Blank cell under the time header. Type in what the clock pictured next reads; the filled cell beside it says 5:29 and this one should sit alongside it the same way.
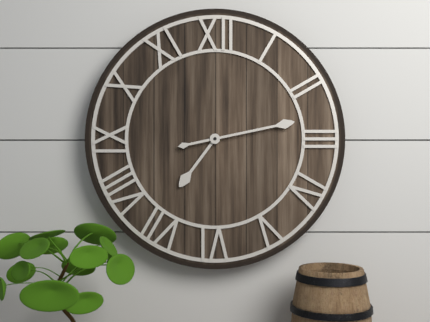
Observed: 7:13
